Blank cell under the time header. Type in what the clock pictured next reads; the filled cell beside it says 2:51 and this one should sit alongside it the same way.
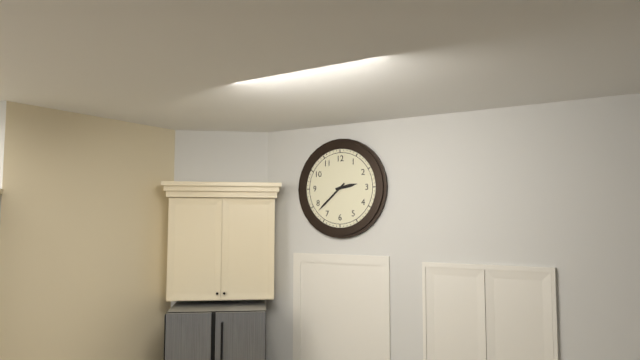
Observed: 2:38
